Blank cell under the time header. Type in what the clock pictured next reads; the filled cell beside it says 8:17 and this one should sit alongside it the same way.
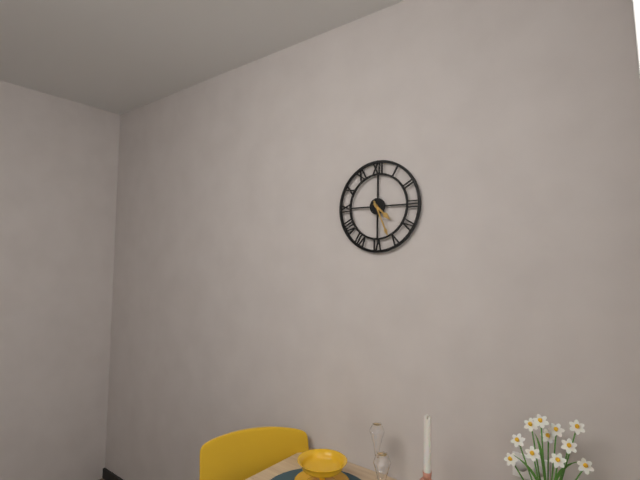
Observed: 4:26
